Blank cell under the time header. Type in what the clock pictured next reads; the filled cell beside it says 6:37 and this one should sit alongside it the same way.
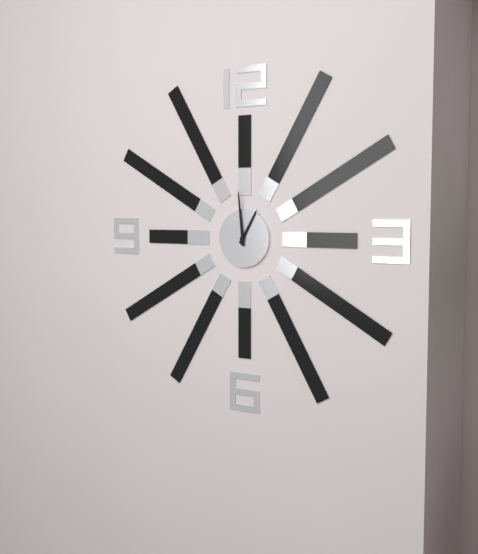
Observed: 12:59
